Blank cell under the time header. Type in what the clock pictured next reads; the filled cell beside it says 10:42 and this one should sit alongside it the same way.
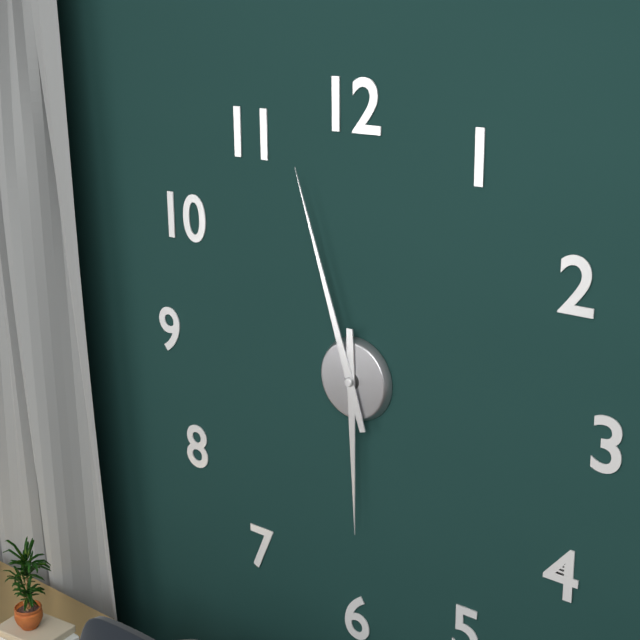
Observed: 5:57
